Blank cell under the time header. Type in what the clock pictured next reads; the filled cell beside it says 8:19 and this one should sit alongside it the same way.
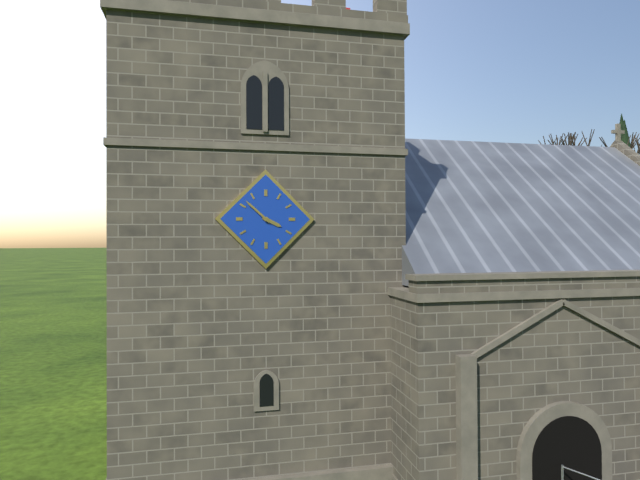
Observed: 3:52
